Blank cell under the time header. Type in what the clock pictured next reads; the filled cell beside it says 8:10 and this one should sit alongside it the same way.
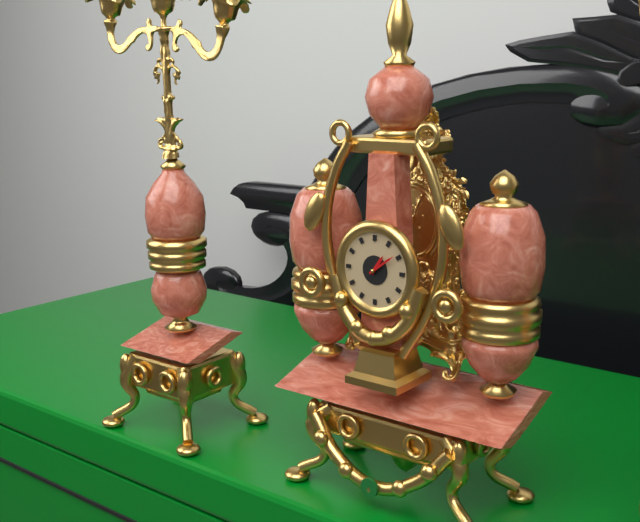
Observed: 1:09
